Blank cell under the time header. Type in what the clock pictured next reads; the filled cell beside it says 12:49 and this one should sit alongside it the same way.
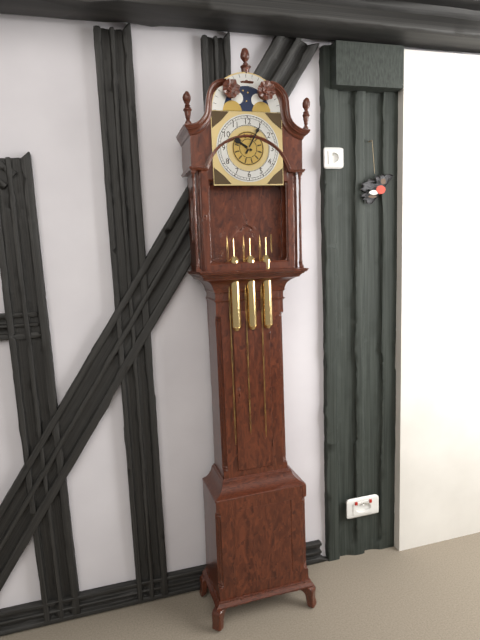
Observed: 10:05
